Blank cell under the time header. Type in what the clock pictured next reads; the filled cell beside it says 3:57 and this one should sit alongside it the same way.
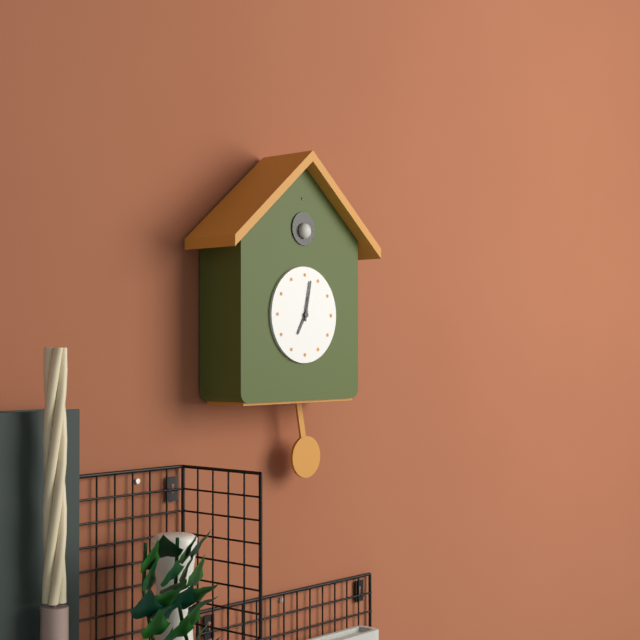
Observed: 7:02
